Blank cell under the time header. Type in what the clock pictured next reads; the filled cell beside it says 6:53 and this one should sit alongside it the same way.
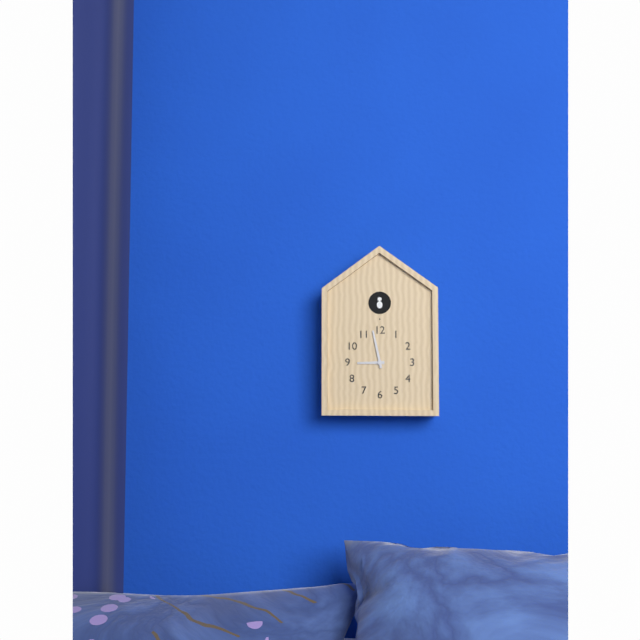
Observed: 8:58
